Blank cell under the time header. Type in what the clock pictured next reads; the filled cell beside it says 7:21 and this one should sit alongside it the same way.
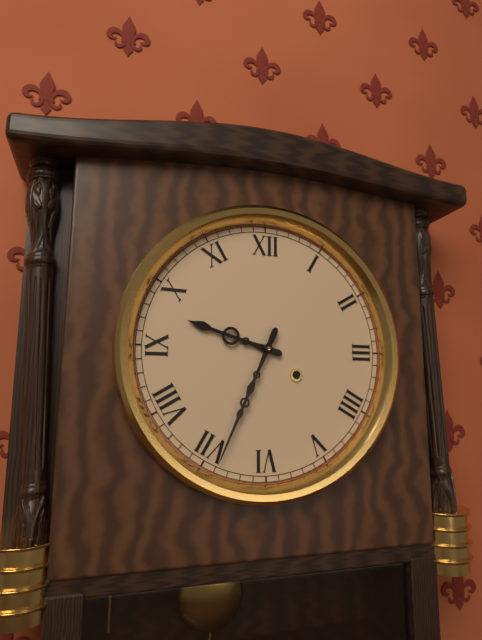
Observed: 9:34
